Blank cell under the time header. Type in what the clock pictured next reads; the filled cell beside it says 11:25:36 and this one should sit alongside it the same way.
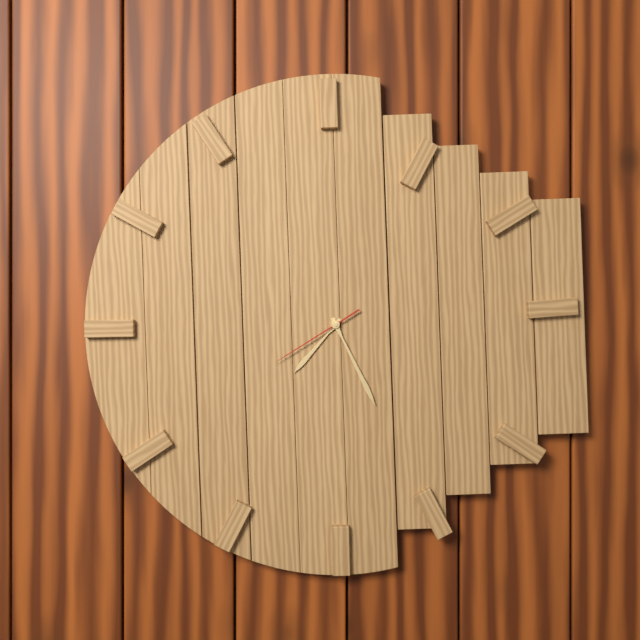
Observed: 7:26:40
